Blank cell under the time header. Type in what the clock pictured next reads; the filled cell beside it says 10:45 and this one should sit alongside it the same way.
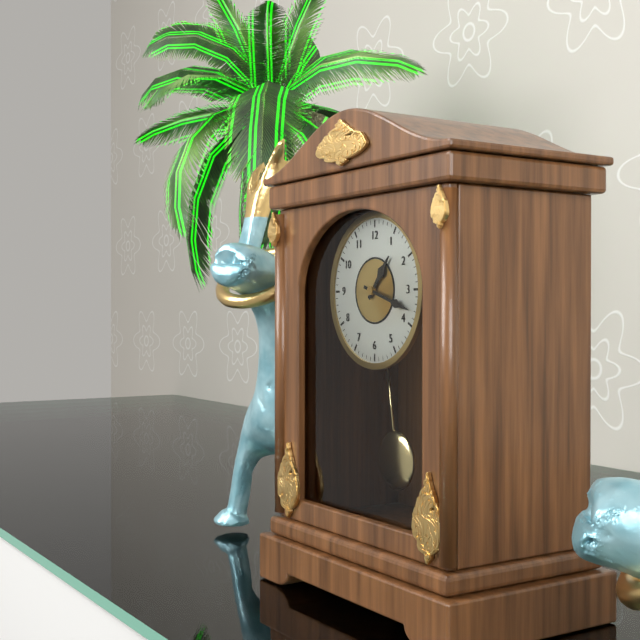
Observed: 1:18
